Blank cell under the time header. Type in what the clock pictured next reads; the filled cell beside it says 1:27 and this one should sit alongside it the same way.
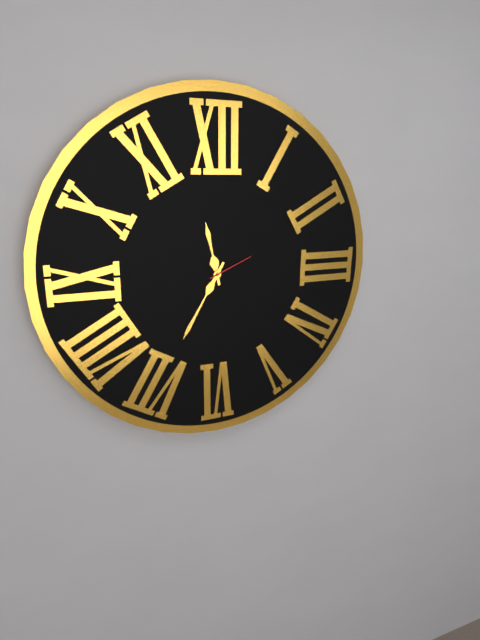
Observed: 11:35
